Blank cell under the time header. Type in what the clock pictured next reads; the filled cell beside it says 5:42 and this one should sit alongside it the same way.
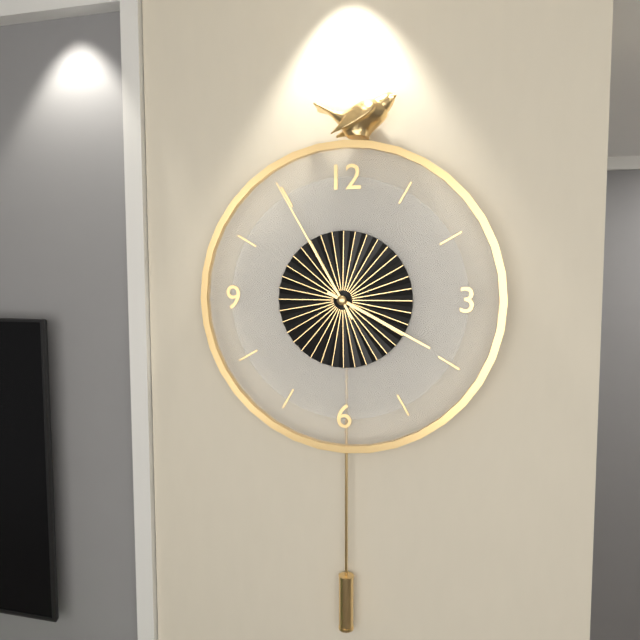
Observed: 3:55
